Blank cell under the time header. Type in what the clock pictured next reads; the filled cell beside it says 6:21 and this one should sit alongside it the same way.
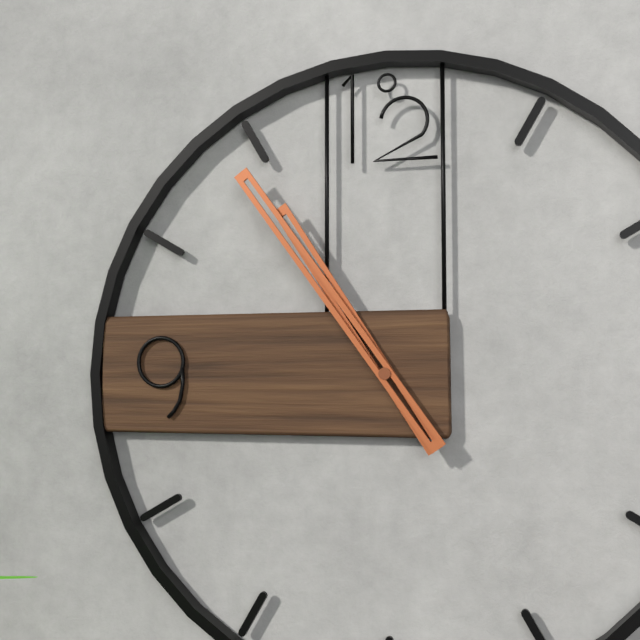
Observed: 10:54
